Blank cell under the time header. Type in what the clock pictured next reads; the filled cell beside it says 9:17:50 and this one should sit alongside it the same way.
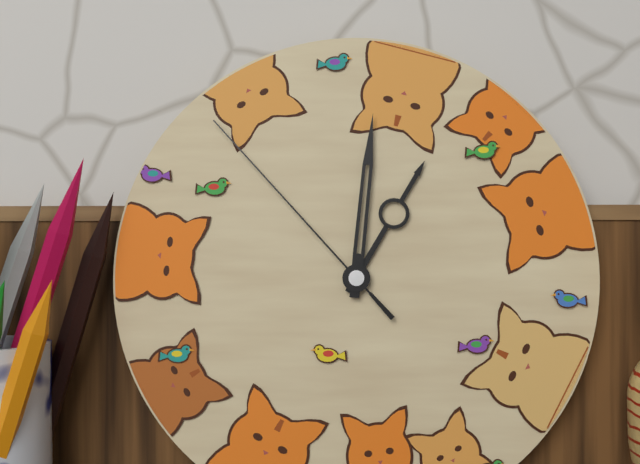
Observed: 1:01:53
